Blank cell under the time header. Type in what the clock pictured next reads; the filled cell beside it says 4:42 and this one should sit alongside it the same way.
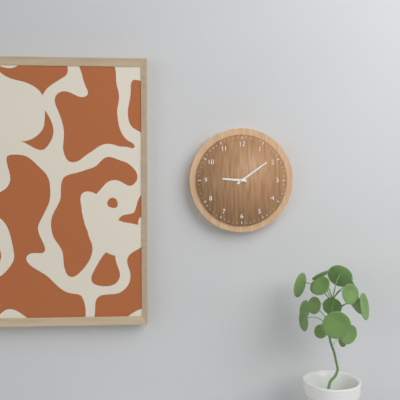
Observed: 9:09
